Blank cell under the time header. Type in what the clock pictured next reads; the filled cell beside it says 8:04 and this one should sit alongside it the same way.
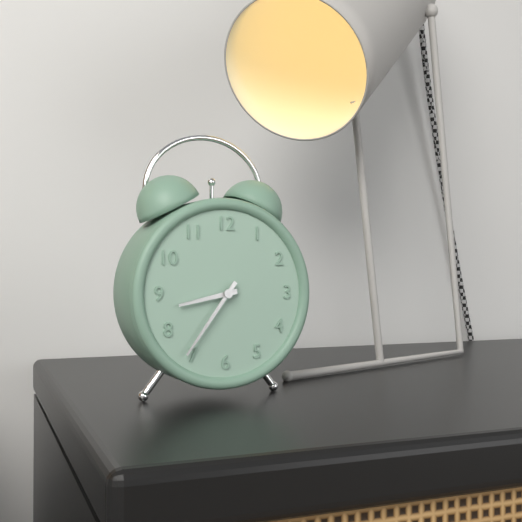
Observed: 8:36
